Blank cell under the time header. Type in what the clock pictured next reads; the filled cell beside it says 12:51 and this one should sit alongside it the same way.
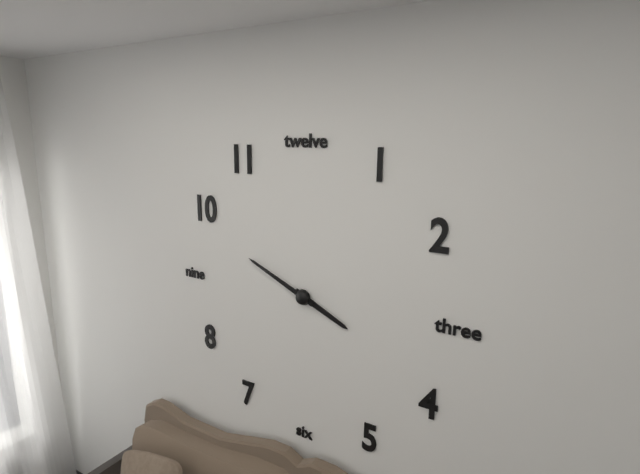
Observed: 3:49
